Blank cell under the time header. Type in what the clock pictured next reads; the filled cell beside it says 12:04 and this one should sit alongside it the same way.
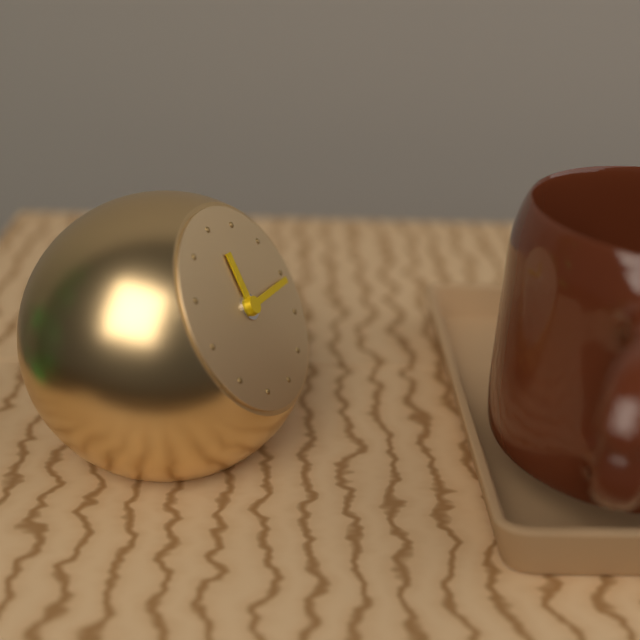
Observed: 12:16
